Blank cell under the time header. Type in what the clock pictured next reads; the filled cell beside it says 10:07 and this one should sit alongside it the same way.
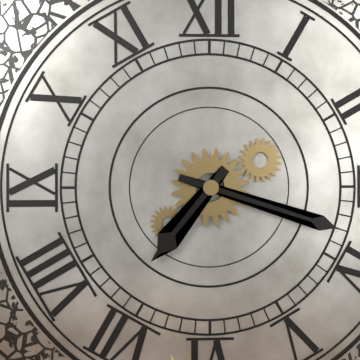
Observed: 7:18
